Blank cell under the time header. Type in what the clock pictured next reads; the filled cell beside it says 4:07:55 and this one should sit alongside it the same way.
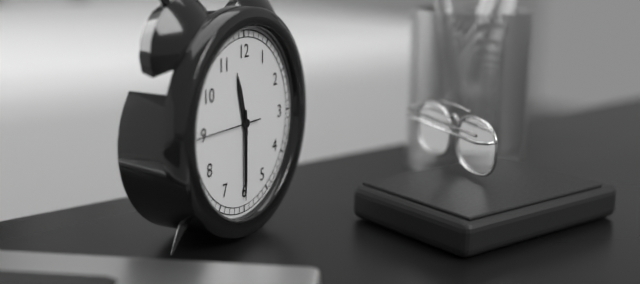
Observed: 11:30:45
